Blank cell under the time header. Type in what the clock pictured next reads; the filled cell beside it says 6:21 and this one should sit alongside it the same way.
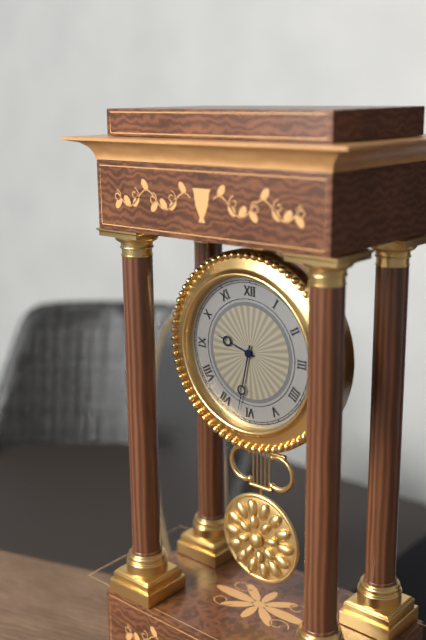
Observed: 9:32
